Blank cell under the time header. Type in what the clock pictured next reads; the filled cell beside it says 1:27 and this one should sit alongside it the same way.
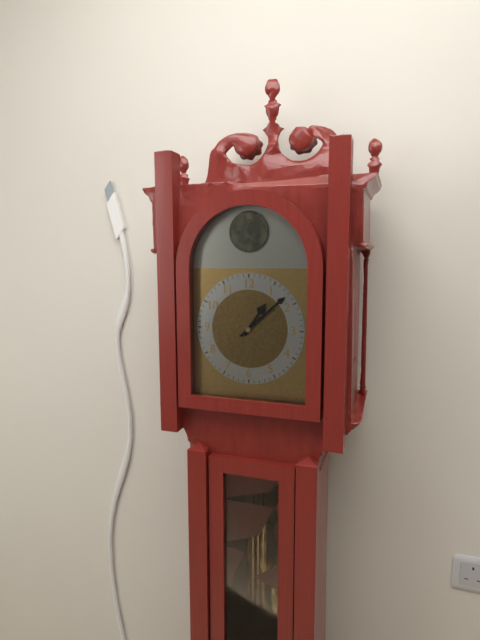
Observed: 1:08
